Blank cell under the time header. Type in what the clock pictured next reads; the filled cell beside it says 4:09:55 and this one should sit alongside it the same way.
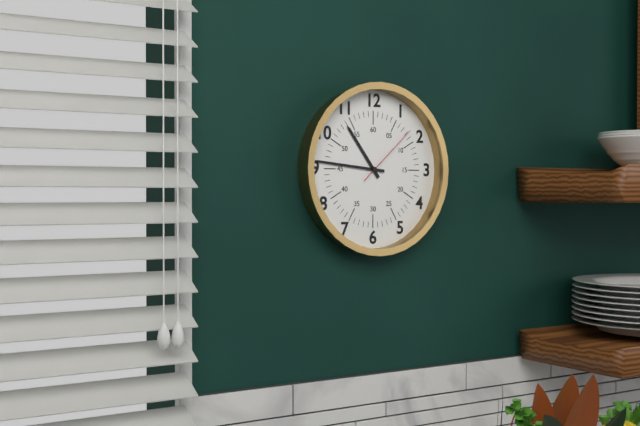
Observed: 10:46:08
